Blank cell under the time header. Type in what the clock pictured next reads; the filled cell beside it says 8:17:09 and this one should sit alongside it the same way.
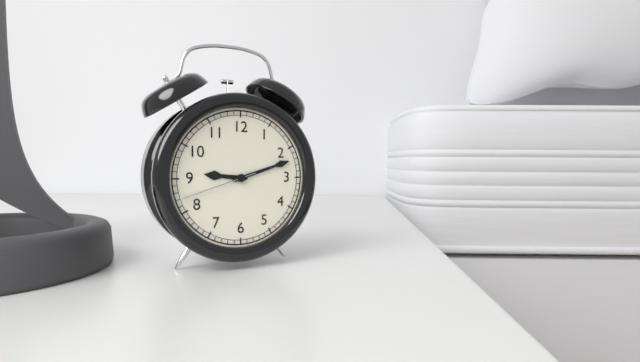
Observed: 9:12:42
